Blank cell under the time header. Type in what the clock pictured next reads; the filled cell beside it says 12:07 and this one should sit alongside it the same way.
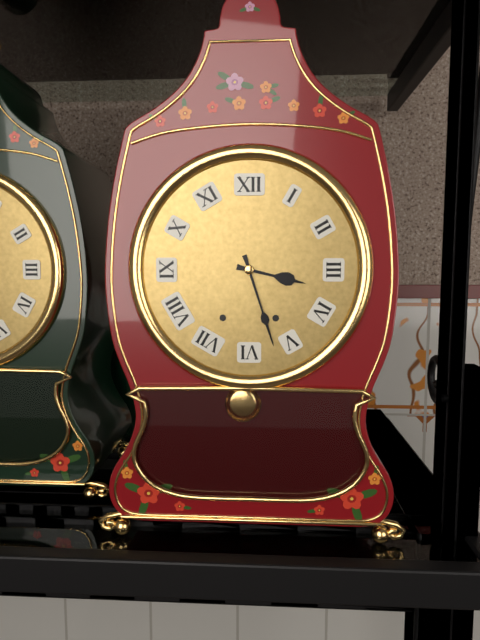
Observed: 3:27
